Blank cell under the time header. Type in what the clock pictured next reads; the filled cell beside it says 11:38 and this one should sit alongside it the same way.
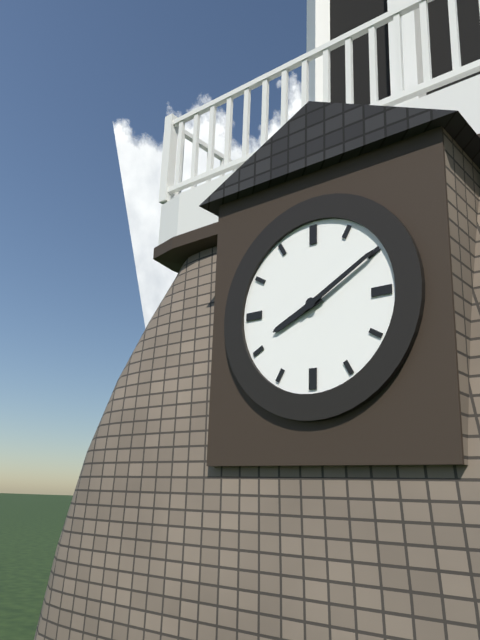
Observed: 8:10
